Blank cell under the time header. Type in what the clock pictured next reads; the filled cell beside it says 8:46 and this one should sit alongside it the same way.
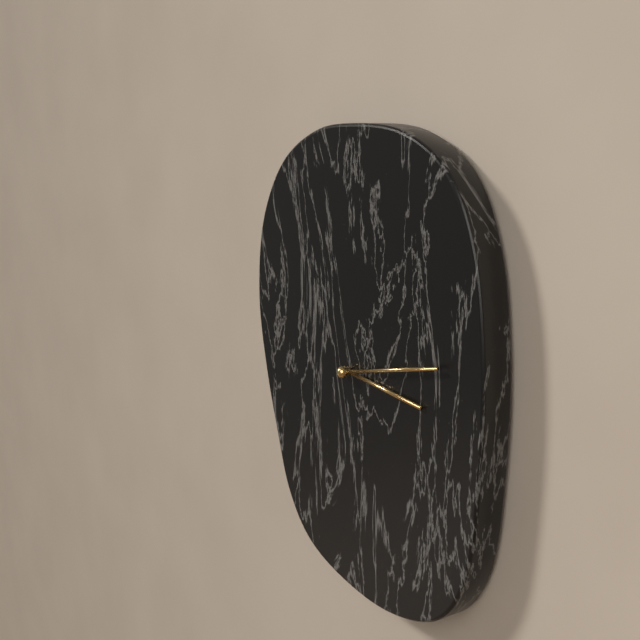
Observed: 3:13
